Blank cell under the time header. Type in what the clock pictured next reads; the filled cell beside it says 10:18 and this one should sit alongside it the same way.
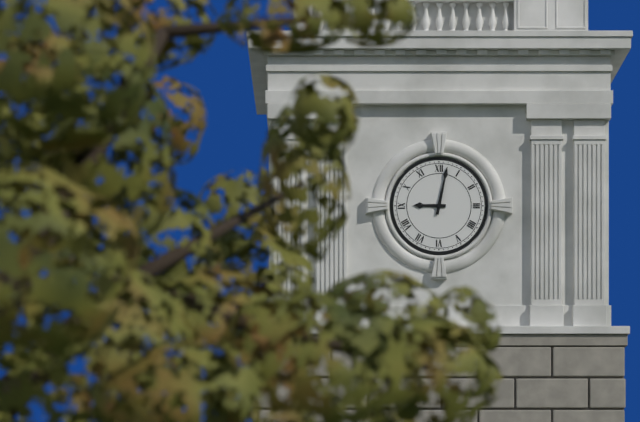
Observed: 9:02
